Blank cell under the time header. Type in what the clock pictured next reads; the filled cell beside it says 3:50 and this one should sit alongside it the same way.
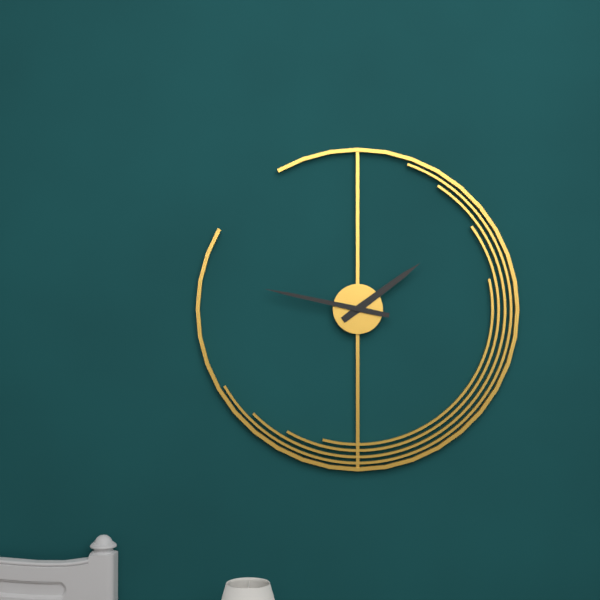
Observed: 1:47
